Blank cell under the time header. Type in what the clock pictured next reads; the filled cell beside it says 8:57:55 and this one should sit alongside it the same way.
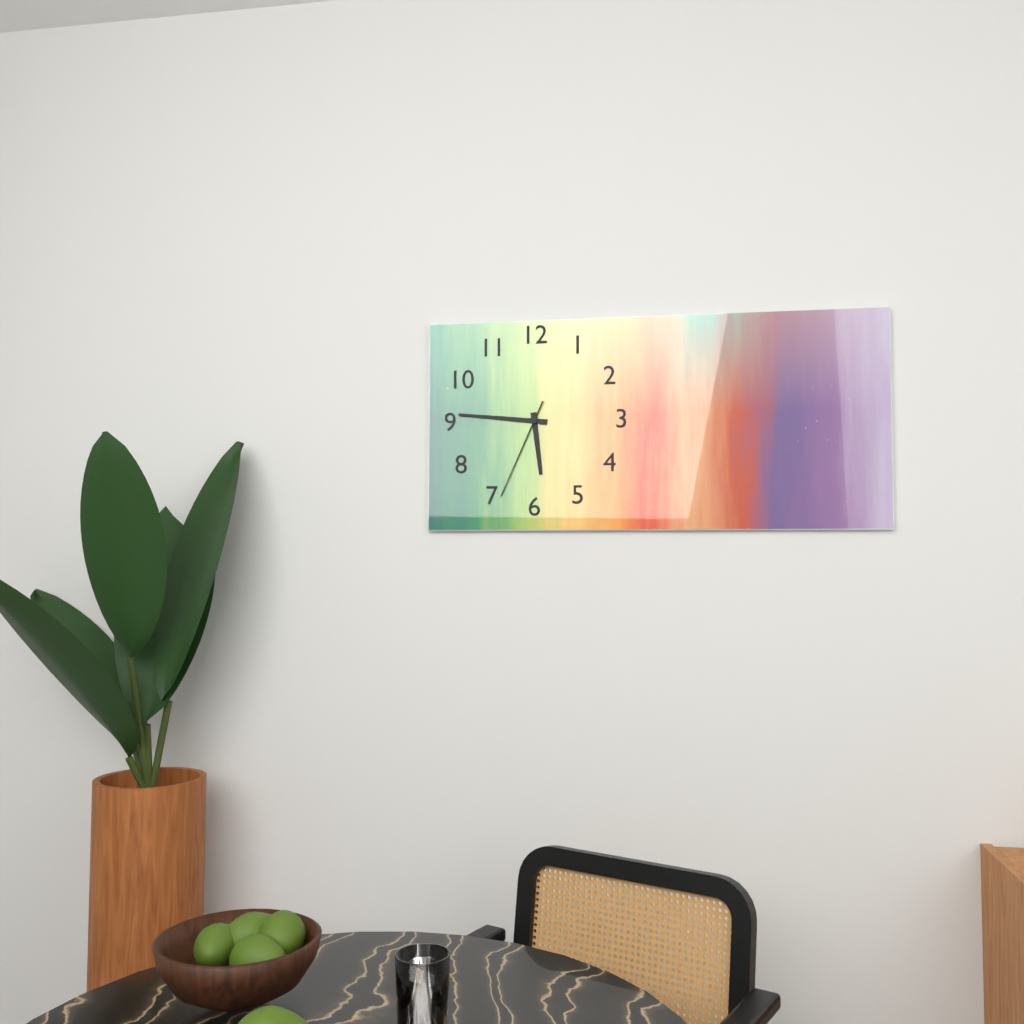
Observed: 5:46:34
